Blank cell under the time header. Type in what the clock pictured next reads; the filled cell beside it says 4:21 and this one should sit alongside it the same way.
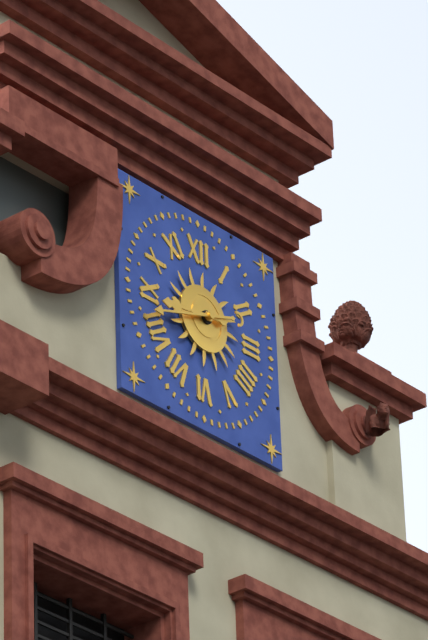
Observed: 8:42
